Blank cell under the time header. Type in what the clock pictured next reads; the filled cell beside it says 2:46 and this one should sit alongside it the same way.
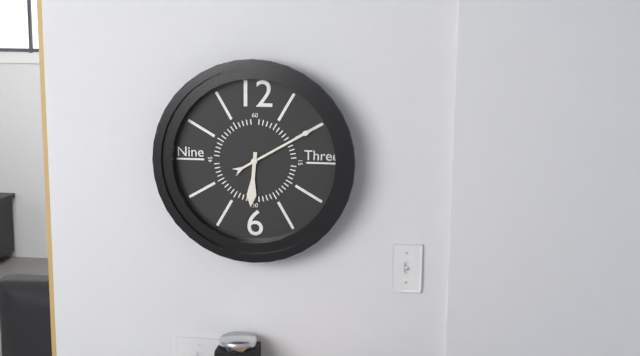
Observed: 6:10
